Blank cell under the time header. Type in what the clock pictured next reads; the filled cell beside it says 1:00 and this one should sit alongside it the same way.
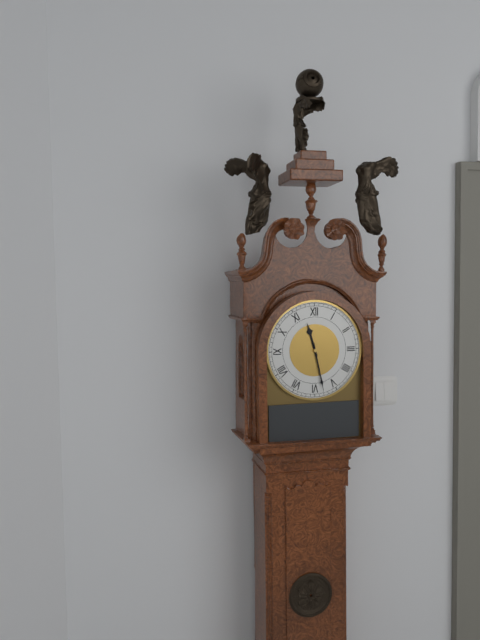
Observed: 11:28
